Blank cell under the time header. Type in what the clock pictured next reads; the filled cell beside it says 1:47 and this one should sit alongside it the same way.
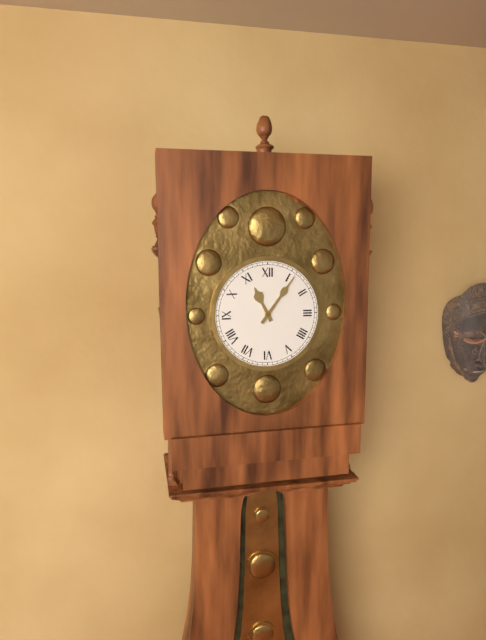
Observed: 11:06
